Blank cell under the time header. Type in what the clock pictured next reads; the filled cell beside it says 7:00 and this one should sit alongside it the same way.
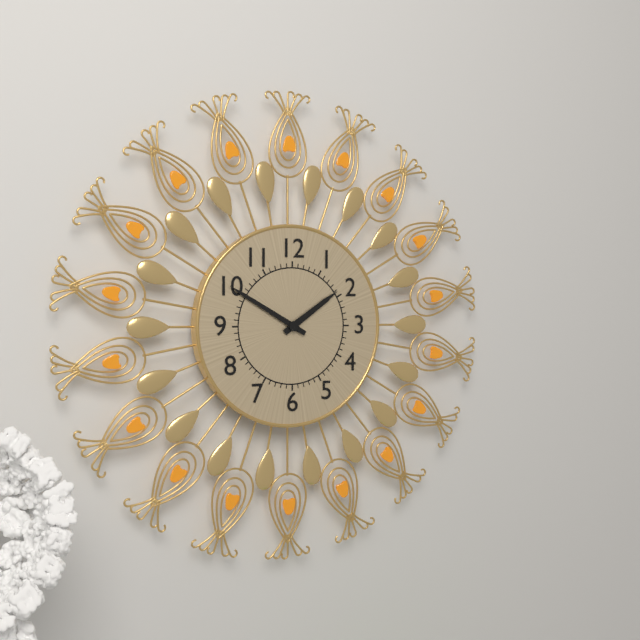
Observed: 1:50
